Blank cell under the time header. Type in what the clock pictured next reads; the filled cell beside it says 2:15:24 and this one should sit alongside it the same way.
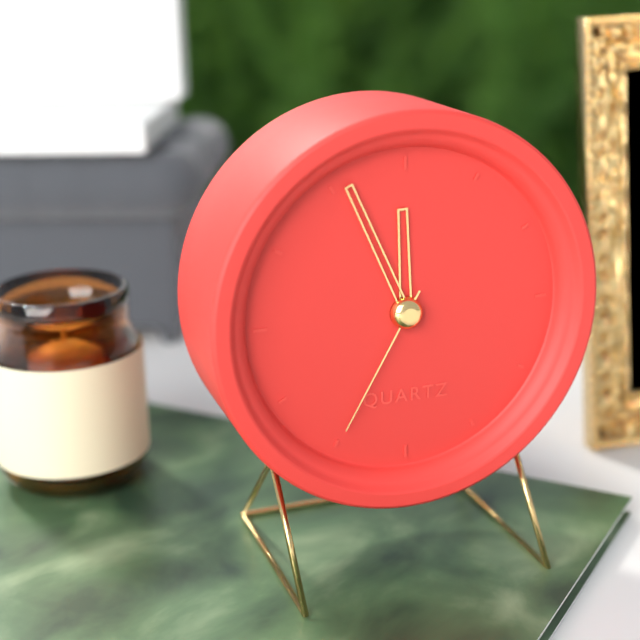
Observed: 11:56:35
